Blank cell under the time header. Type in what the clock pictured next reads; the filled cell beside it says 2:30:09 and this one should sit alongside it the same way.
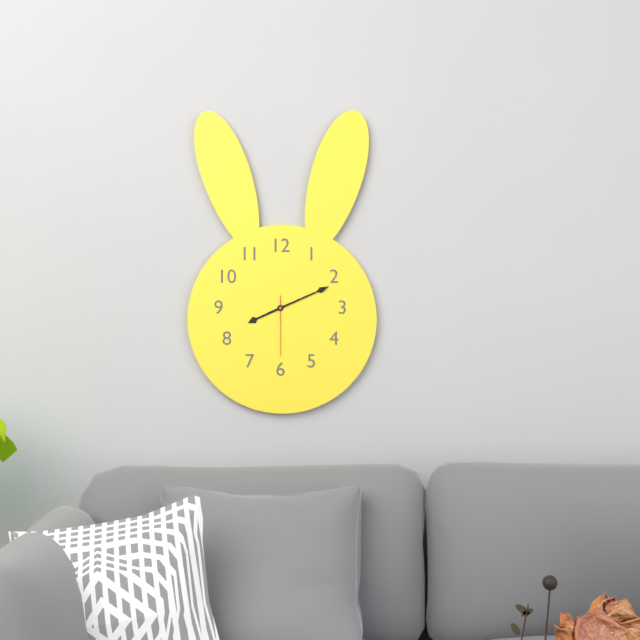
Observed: 8:11:30
